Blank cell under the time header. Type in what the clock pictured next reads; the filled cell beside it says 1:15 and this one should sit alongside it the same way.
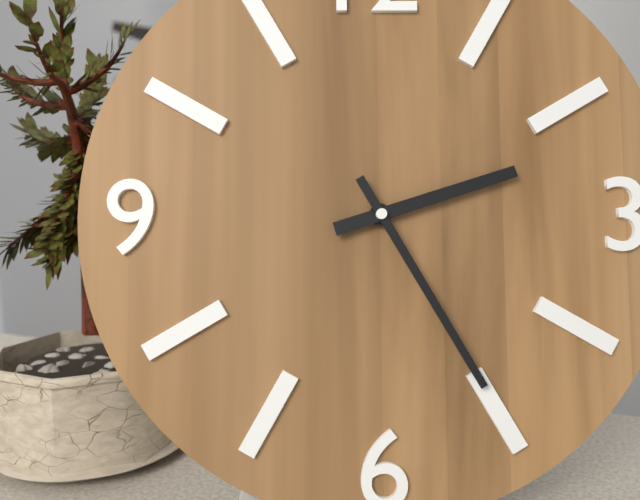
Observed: 2:25
